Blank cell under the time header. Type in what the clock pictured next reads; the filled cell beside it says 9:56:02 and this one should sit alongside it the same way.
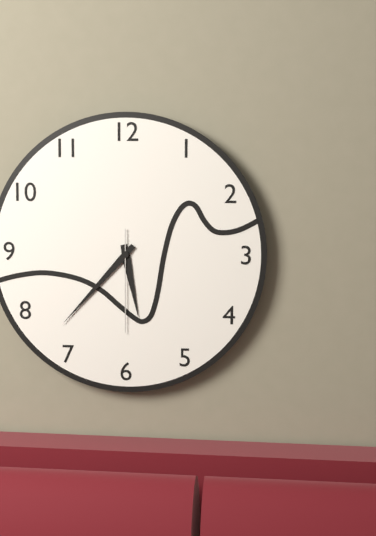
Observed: 5:37:30
